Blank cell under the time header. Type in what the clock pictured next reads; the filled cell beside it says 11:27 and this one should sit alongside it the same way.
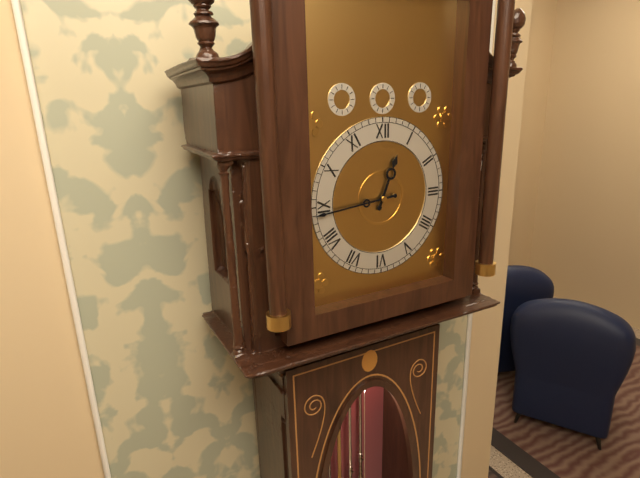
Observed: 12:44
